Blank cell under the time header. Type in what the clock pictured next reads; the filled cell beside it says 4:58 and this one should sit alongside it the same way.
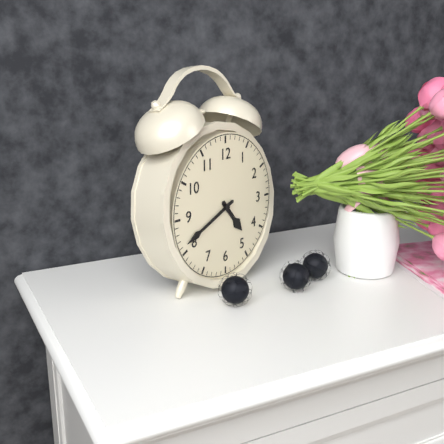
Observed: 4:41
